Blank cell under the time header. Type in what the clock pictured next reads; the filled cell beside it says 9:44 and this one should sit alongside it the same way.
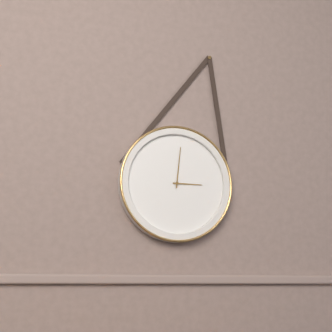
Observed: 3:01
